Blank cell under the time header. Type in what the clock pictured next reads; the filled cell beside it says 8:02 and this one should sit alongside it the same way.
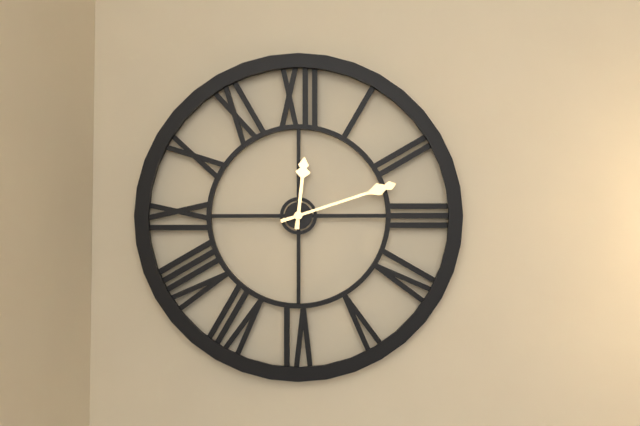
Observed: 12:12
